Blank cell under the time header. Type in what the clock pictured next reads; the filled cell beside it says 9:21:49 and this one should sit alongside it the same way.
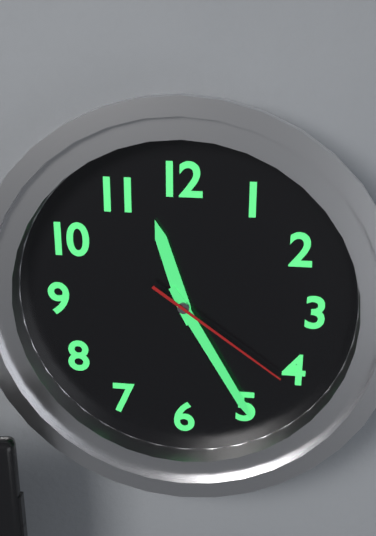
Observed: 11:25:21
